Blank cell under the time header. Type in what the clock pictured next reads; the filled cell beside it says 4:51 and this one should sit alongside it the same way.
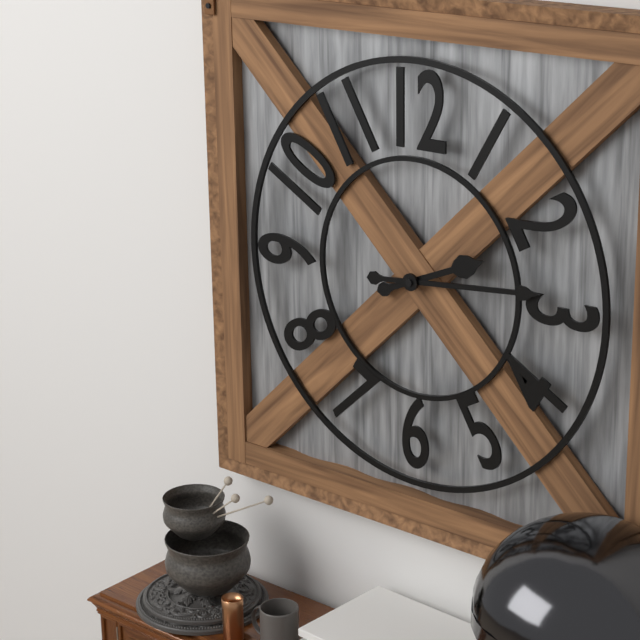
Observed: 2:14
